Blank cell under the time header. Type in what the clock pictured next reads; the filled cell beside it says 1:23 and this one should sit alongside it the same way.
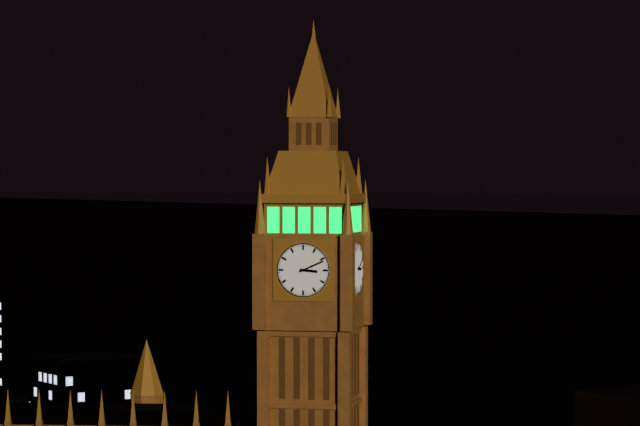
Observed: 3:11
